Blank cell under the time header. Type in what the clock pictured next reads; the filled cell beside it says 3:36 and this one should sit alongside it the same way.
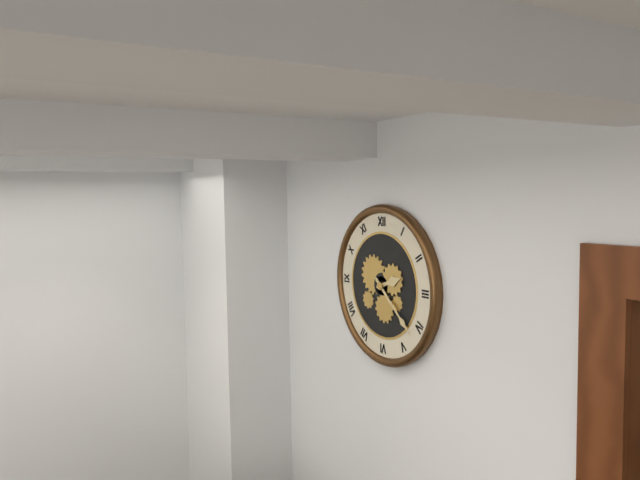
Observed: 2:22
